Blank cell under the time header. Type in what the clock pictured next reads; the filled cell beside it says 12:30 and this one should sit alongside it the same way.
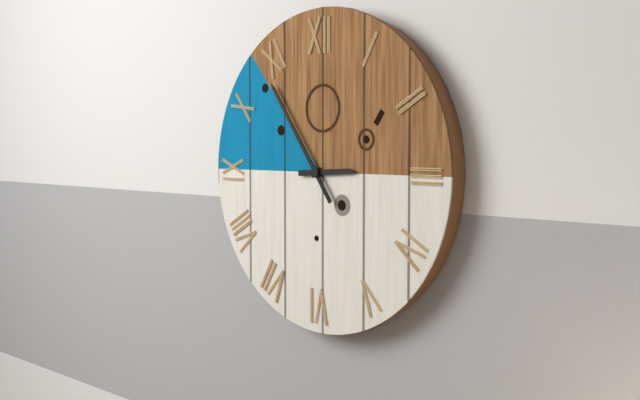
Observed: 2:54
